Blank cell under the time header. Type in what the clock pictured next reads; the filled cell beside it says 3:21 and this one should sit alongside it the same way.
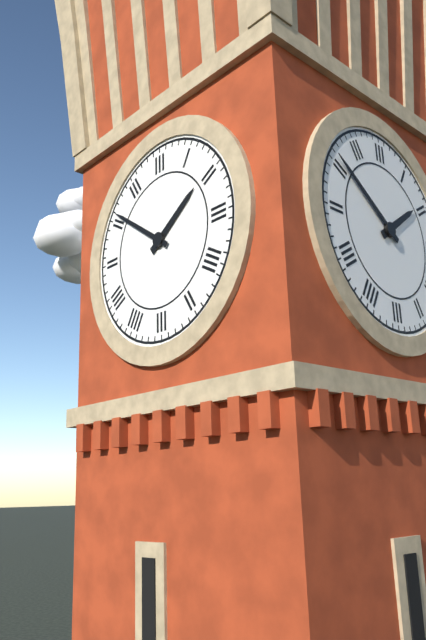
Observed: 1:51
